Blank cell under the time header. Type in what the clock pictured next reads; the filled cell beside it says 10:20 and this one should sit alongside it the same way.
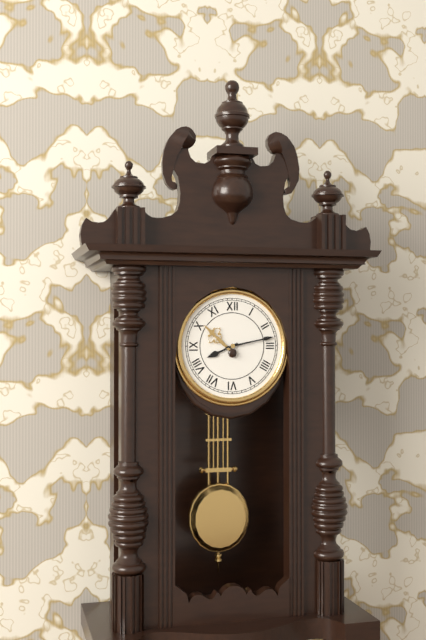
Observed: 8:13
